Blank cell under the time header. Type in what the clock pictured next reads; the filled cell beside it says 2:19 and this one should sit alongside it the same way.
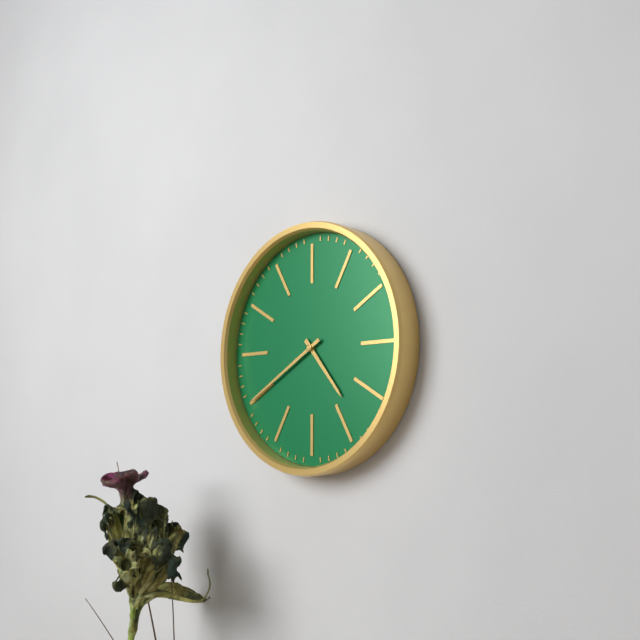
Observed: 4:40
